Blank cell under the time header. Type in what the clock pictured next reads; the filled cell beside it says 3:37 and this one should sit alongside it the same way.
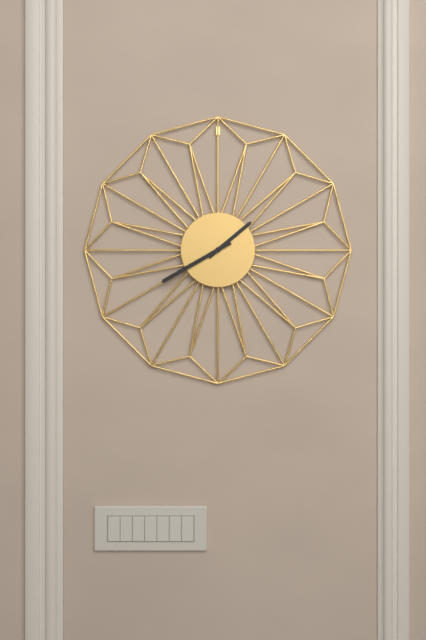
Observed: 1:40
